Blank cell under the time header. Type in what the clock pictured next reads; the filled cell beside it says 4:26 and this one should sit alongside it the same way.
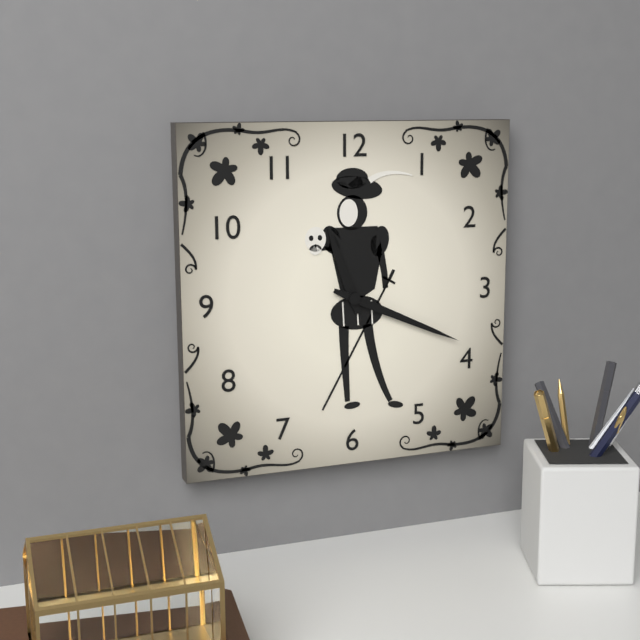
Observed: 11:19
